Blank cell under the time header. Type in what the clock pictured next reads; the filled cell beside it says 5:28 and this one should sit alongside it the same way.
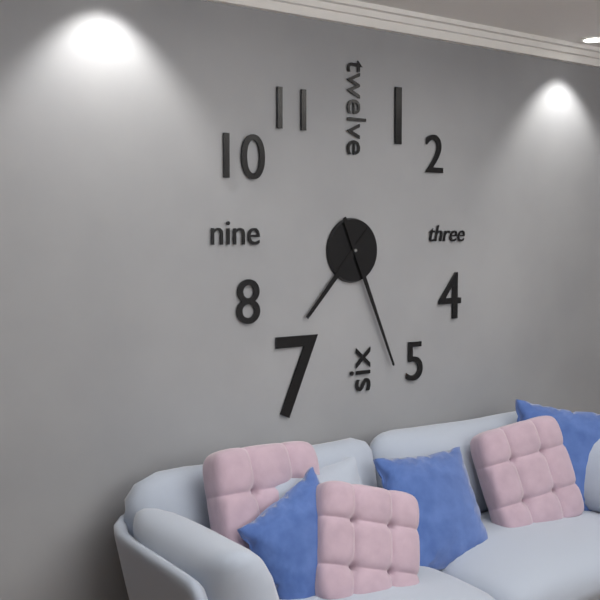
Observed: 7:26
